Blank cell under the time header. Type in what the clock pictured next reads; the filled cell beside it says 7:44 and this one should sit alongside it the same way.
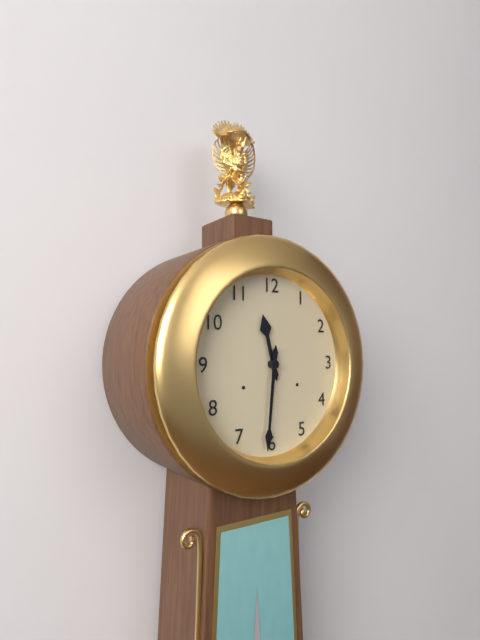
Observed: 11:31
